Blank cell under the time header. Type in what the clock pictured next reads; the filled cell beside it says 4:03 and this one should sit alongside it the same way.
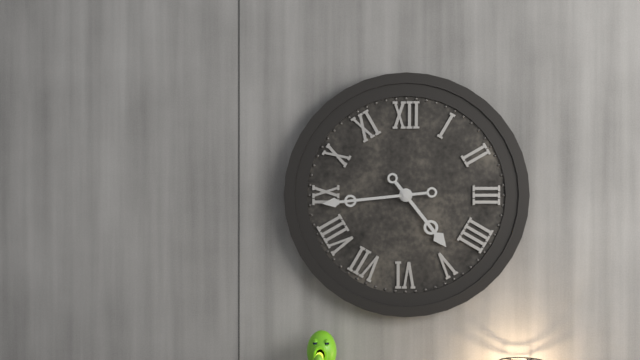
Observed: 4:44
